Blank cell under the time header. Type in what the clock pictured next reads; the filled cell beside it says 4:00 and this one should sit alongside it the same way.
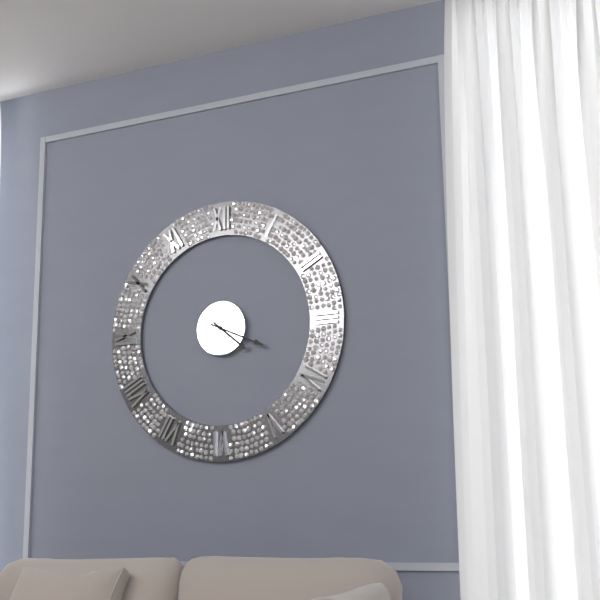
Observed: 4:19
